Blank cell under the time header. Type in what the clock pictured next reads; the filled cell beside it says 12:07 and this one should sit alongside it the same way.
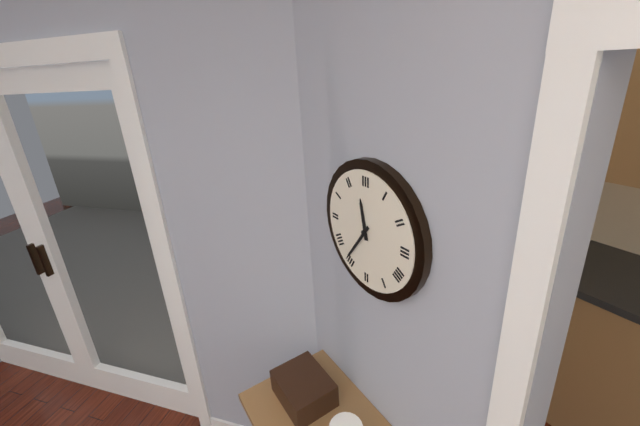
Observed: 11:36
